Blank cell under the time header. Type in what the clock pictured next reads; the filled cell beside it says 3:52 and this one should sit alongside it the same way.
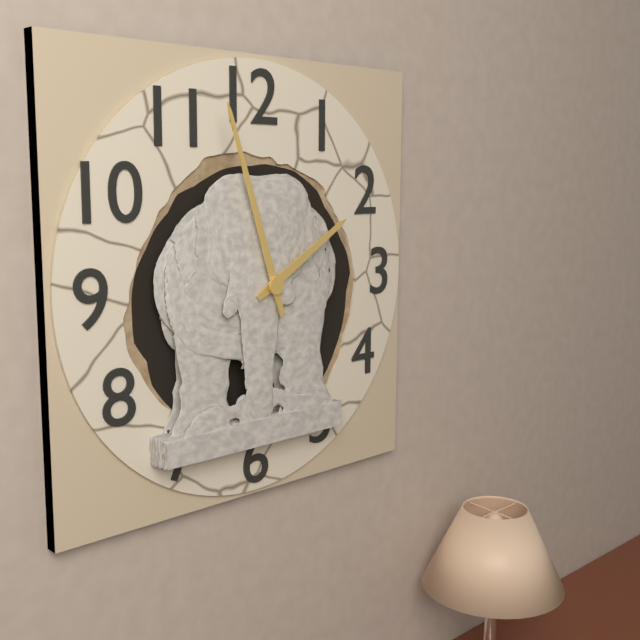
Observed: 1:57
